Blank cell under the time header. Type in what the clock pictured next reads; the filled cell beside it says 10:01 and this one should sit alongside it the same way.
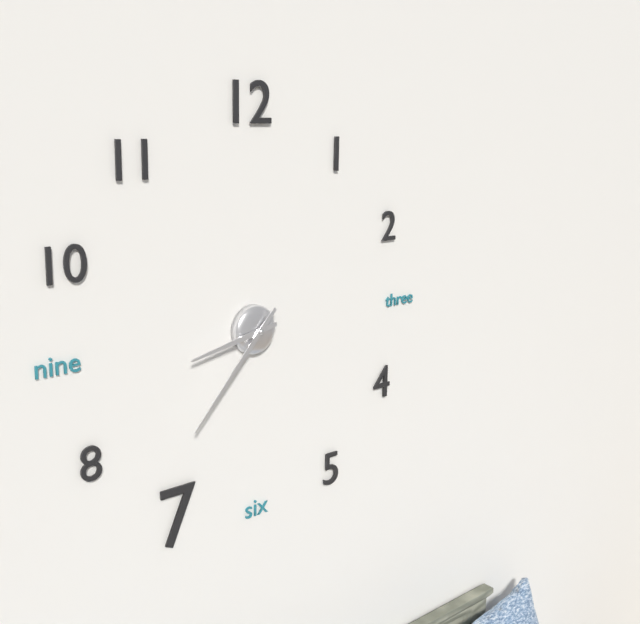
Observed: 8:37
